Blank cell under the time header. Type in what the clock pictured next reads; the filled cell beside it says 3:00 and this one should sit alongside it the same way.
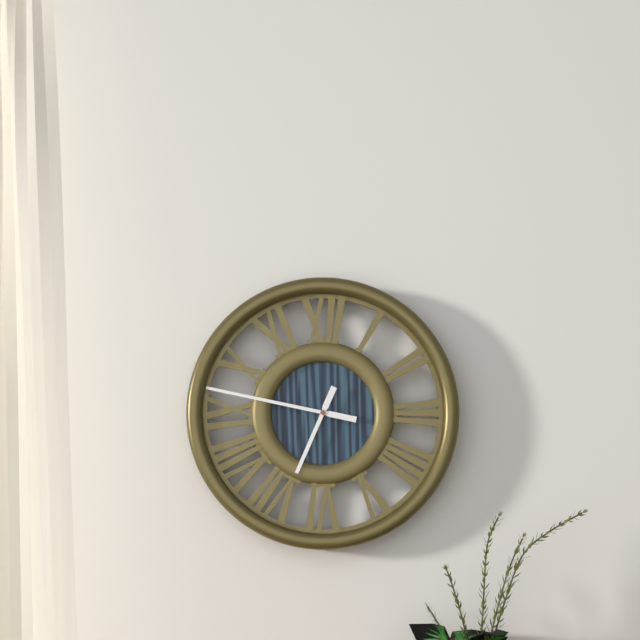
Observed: 6:47
